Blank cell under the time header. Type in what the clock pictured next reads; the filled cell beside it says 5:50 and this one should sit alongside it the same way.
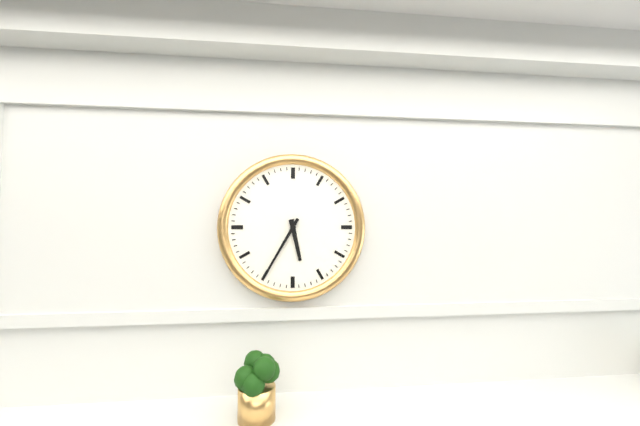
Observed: 5:35
